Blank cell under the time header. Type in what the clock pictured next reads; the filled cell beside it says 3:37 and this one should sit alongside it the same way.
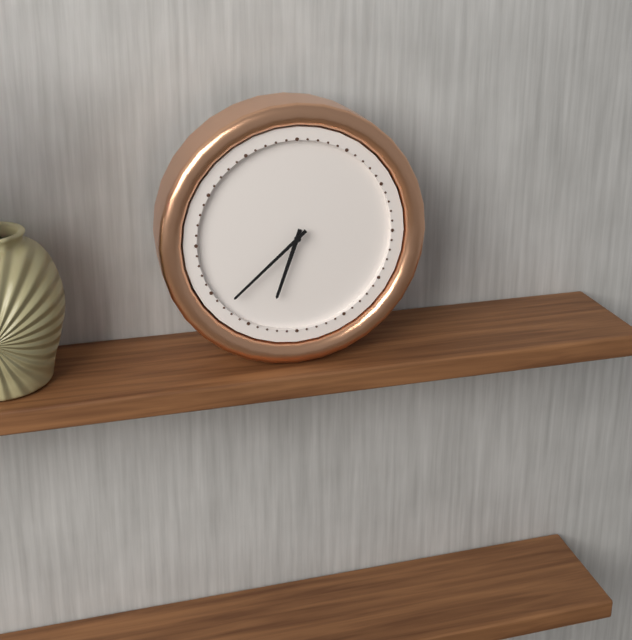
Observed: 6:38
